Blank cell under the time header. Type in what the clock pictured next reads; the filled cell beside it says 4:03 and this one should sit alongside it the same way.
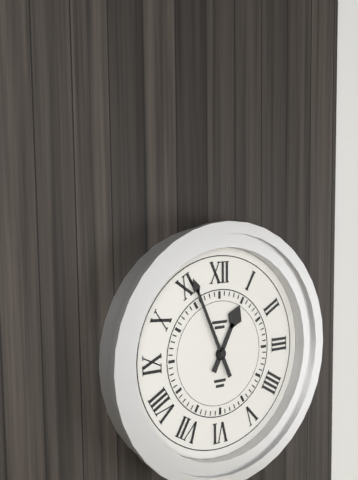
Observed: 12:56
